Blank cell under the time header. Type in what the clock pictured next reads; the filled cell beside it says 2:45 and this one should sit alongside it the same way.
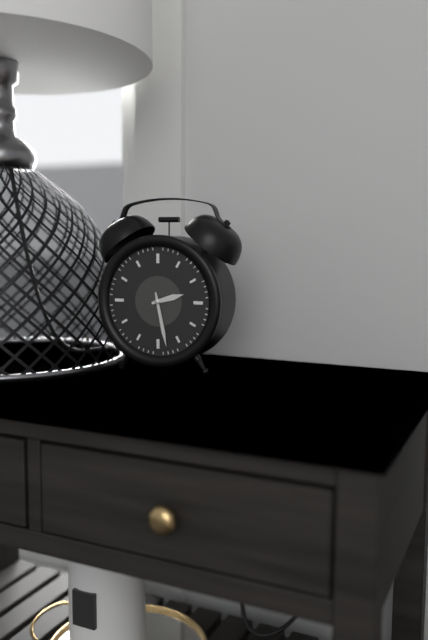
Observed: 2:28
